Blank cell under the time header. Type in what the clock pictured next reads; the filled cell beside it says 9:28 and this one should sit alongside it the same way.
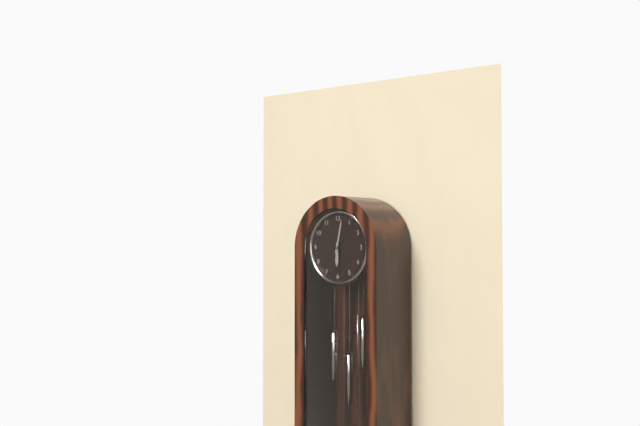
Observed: 6:02
